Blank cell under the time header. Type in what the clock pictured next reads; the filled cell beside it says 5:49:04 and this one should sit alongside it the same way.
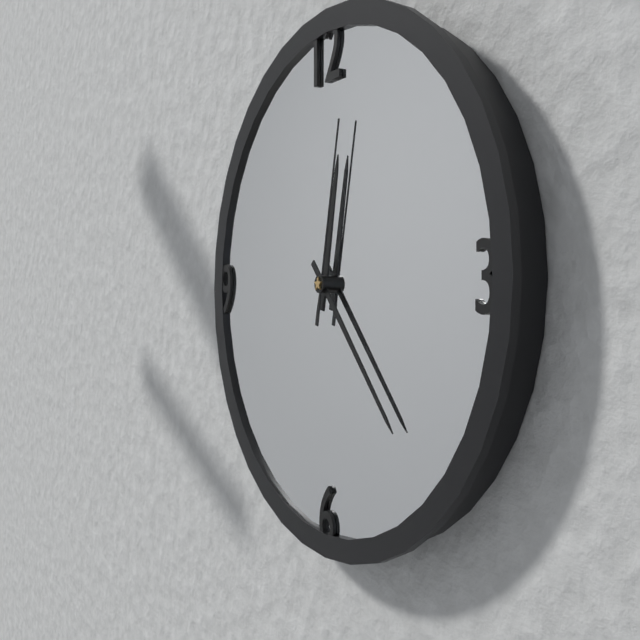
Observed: 12:23:02
